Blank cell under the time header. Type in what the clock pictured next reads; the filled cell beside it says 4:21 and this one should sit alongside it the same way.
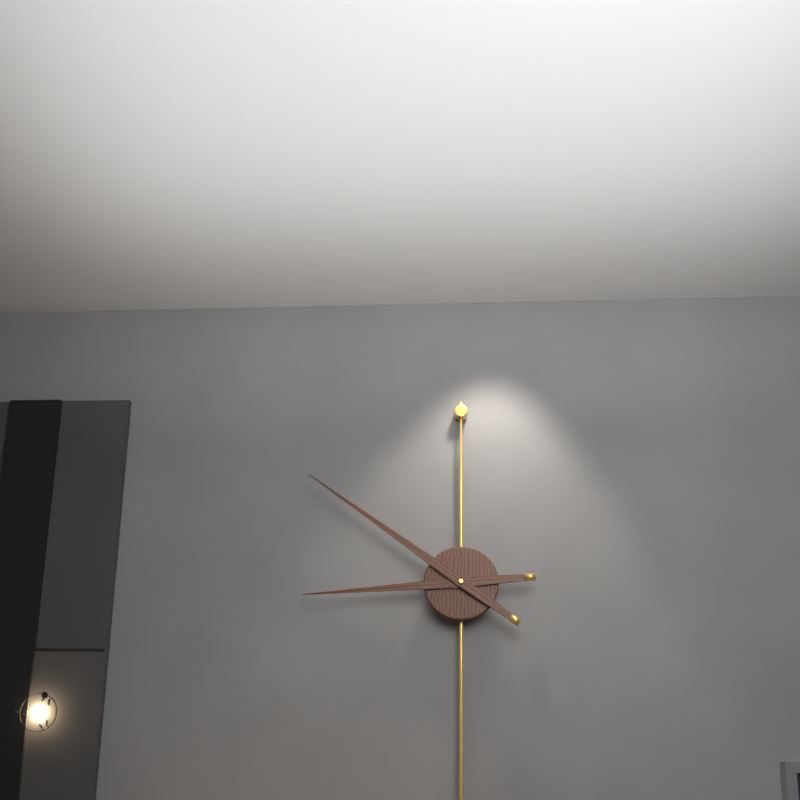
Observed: 8:51
